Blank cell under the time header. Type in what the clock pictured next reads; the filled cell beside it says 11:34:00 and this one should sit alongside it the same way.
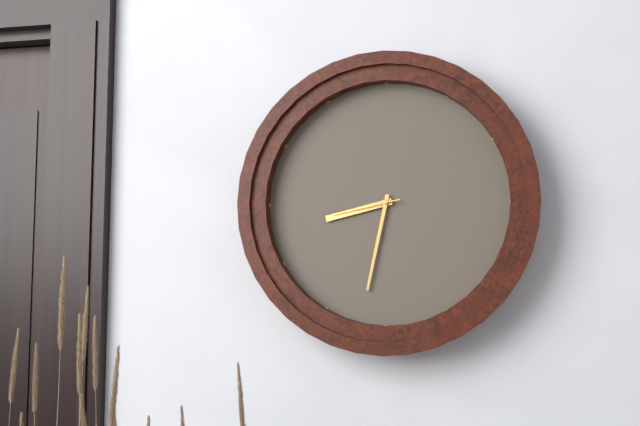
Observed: 8:32:43
